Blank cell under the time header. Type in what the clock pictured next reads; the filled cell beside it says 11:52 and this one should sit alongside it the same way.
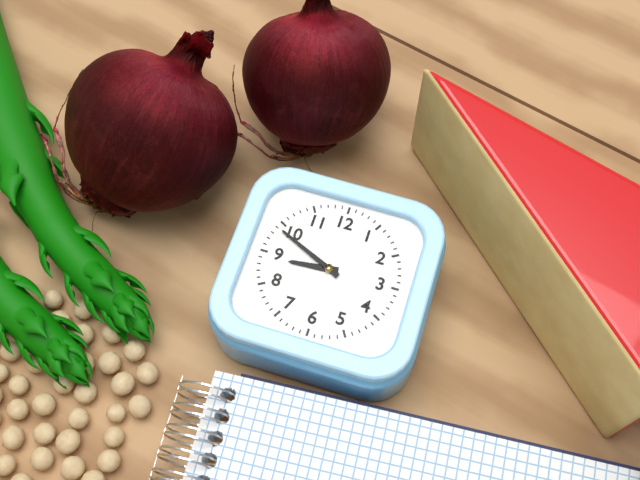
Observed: 8:49
